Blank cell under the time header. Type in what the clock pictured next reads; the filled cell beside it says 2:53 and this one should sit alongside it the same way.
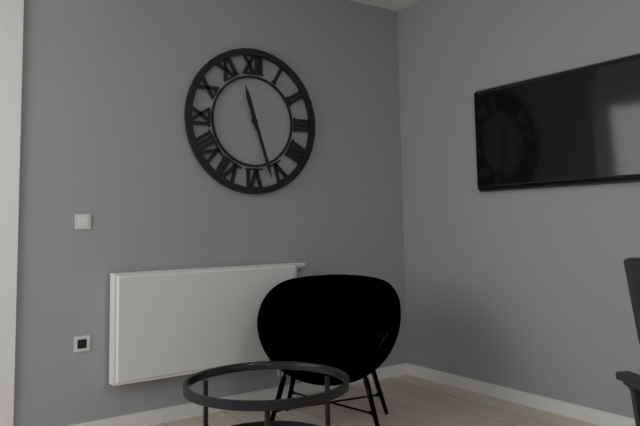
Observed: 11:27
